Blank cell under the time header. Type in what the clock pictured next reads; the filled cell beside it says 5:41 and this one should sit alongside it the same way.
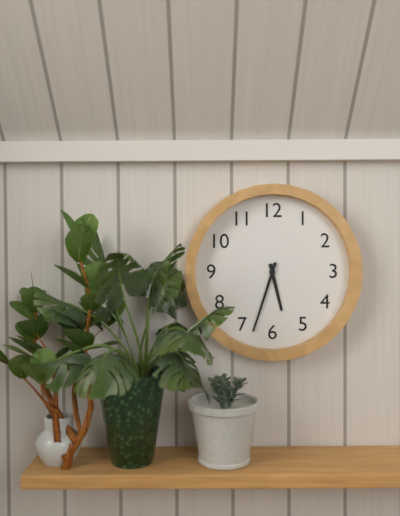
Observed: 5:33
